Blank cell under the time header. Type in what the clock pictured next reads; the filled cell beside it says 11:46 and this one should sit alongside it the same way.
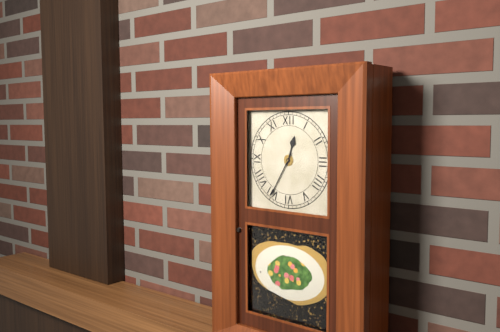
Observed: 12:35
